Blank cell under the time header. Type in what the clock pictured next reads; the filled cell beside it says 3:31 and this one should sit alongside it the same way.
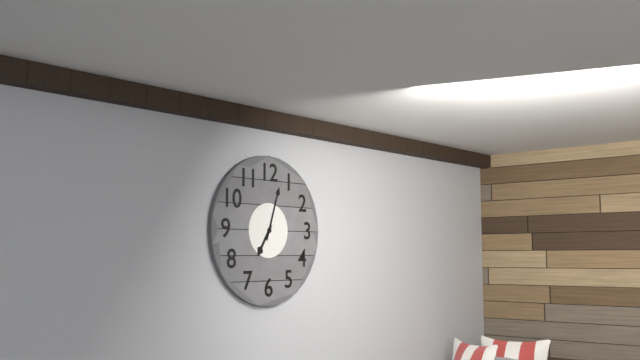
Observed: 7:03
